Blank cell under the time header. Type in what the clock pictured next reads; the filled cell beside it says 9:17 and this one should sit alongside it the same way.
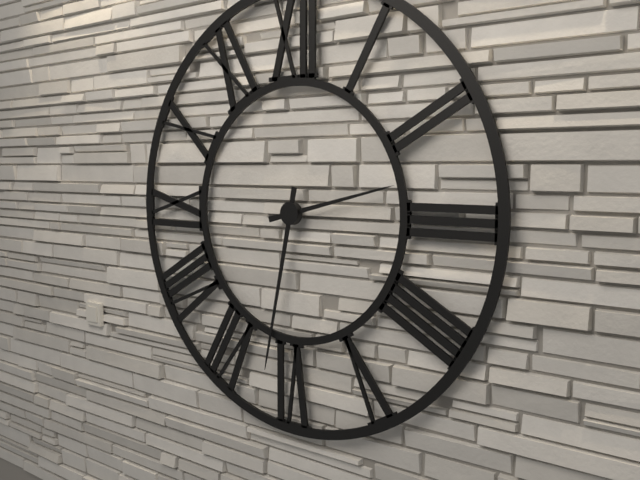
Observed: 2:32
